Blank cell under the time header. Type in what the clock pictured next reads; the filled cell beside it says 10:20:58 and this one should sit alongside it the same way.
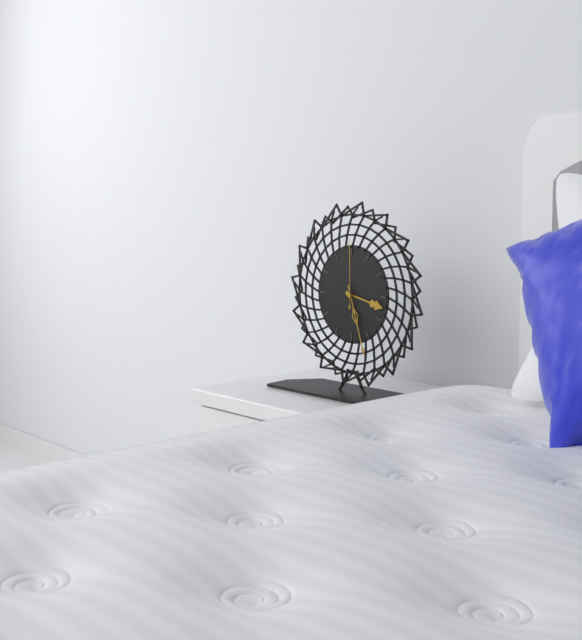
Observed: 3:27:00
